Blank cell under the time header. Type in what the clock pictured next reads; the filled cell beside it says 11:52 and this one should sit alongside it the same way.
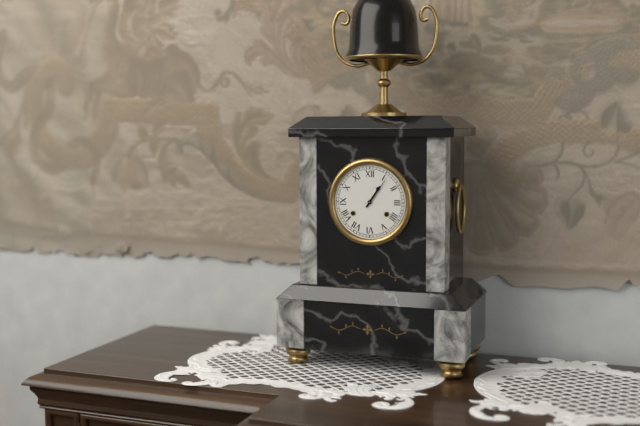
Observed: 1:06
